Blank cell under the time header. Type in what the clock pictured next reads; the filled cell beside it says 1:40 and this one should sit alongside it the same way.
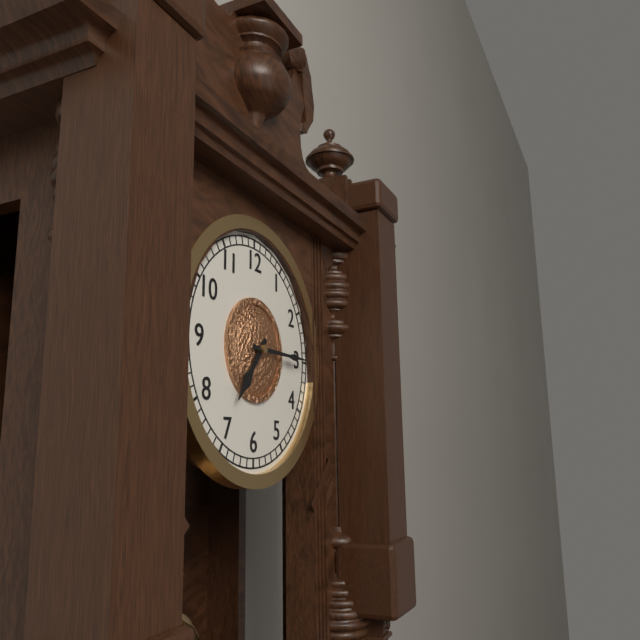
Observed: 7:15
